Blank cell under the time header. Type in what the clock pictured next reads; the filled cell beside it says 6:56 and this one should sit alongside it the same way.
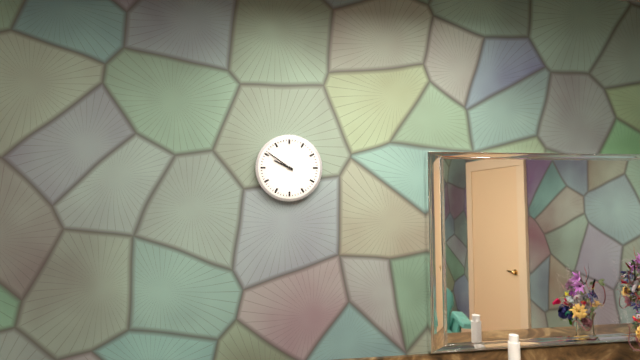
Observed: 9:51
